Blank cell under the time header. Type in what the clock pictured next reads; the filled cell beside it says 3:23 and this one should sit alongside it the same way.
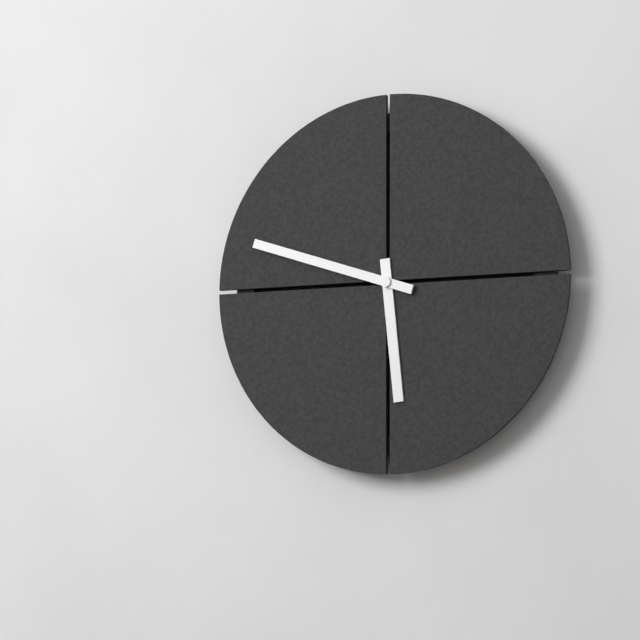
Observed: 5:48
